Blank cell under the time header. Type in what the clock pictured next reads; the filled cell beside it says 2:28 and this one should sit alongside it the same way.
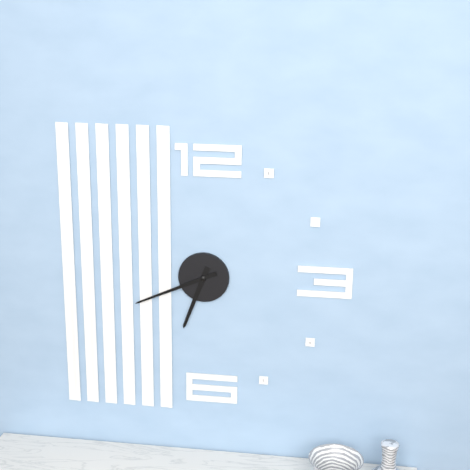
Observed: 6:41
